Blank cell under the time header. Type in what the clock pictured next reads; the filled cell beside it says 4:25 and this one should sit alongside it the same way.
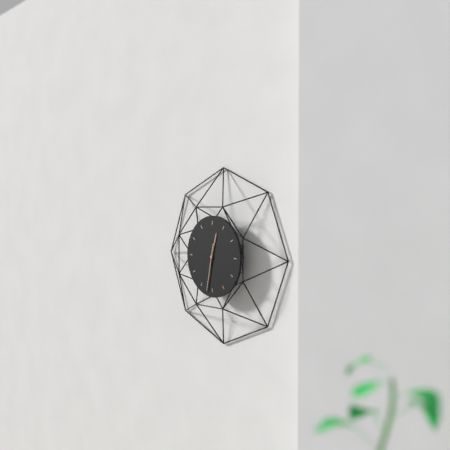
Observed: 12:32
